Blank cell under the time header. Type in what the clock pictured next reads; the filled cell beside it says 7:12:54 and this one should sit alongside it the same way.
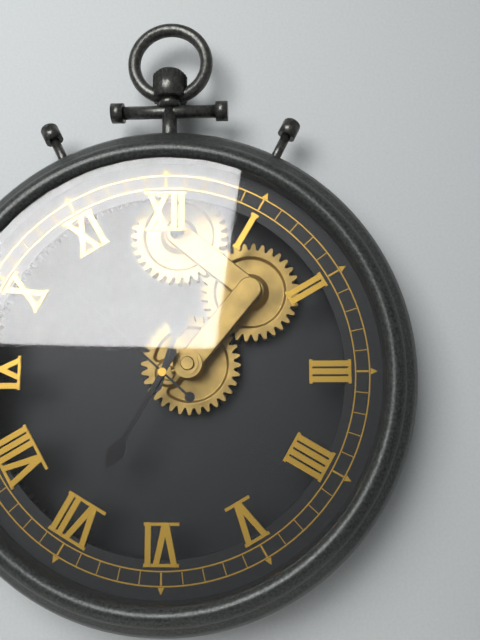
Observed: 12:35:52
